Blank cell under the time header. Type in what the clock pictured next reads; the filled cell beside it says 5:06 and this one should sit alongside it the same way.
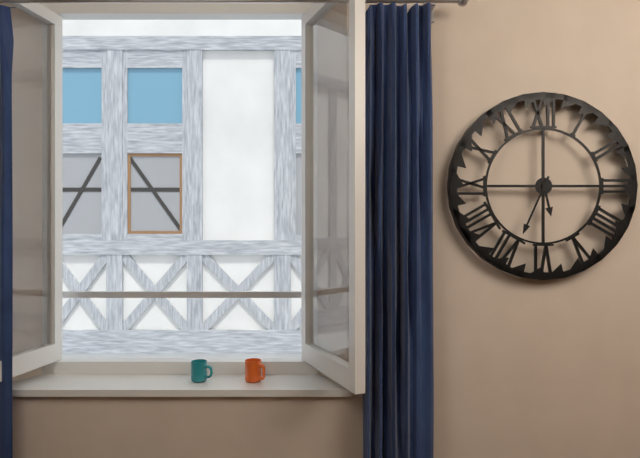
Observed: 5:34
